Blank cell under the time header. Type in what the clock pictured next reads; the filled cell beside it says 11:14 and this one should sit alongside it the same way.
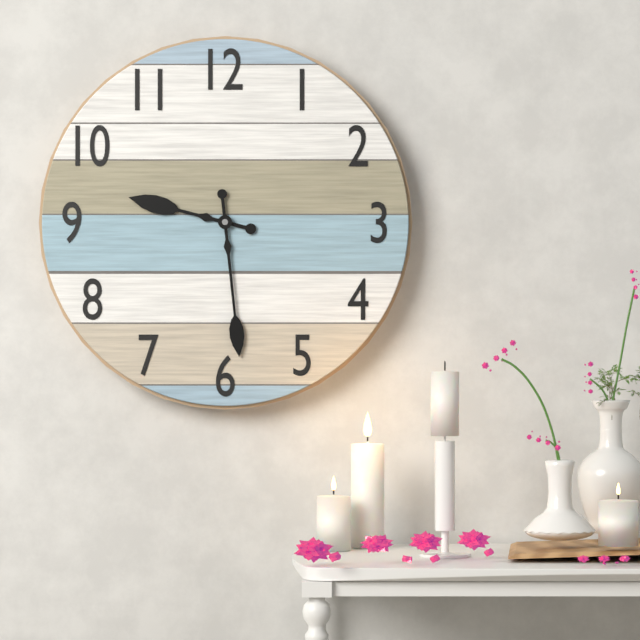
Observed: 9:29
